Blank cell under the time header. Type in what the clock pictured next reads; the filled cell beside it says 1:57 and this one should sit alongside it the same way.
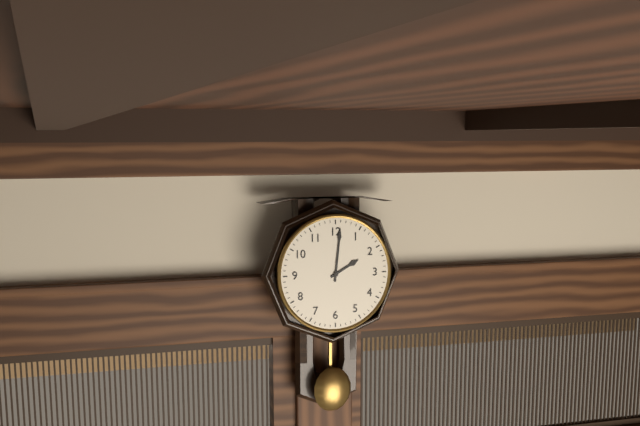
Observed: 2:01
